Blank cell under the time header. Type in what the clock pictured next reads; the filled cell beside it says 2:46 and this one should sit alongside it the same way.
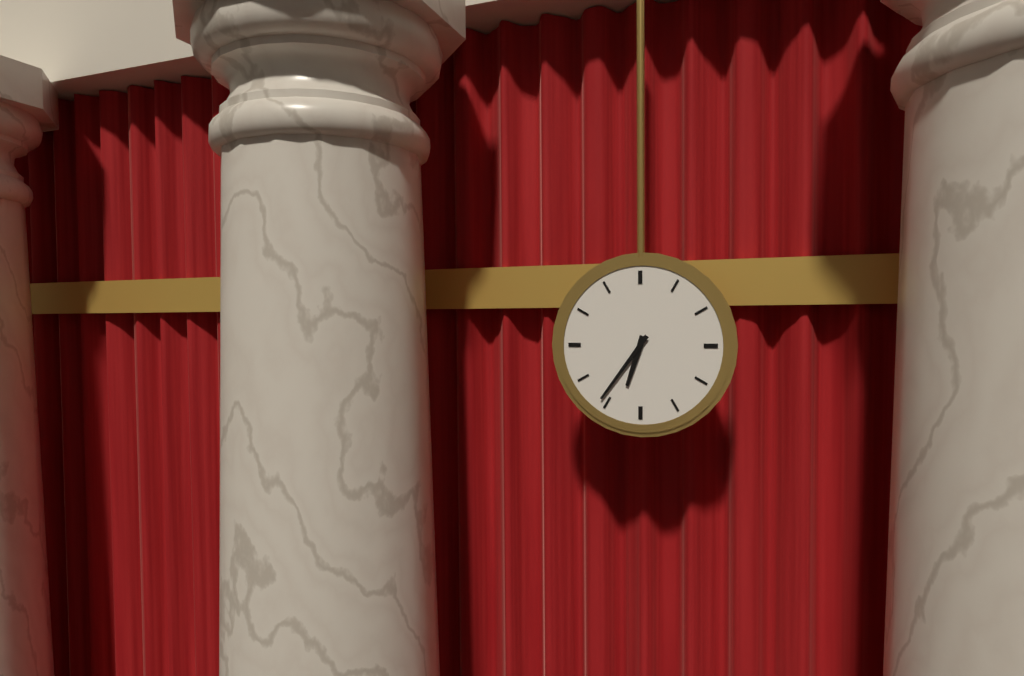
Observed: 6:36
